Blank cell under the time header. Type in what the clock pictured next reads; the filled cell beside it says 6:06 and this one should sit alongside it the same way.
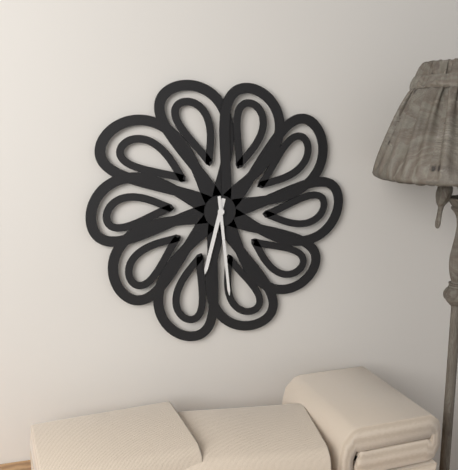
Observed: 6:29
